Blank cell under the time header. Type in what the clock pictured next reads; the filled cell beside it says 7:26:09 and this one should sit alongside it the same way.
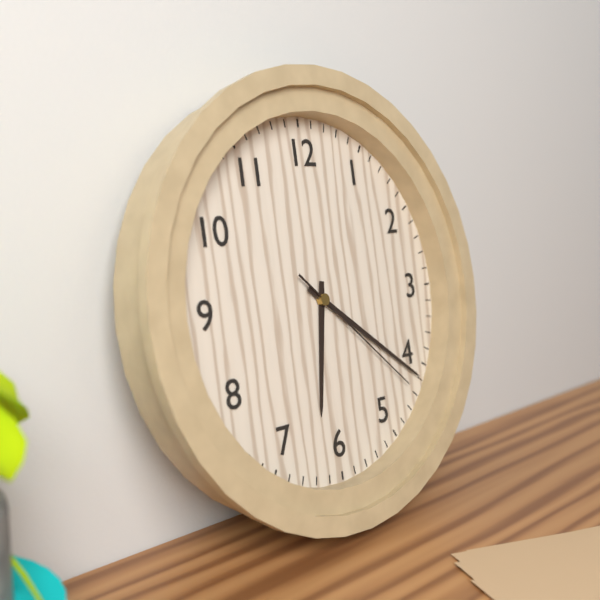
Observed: 6:21:22
